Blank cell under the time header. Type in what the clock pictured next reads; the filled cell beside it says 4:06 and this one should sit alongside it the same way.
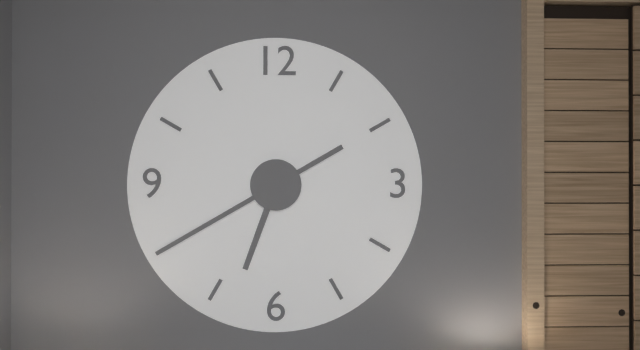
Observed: 6:40
